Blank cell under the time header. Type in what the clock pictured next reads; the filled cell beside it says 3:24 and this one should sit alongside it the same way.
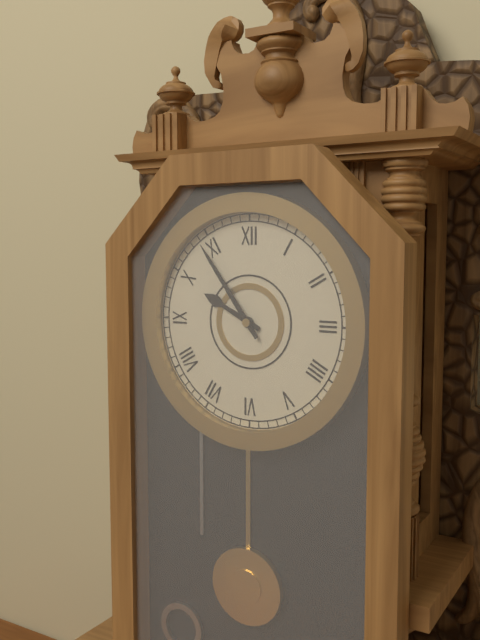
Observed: 9:54
